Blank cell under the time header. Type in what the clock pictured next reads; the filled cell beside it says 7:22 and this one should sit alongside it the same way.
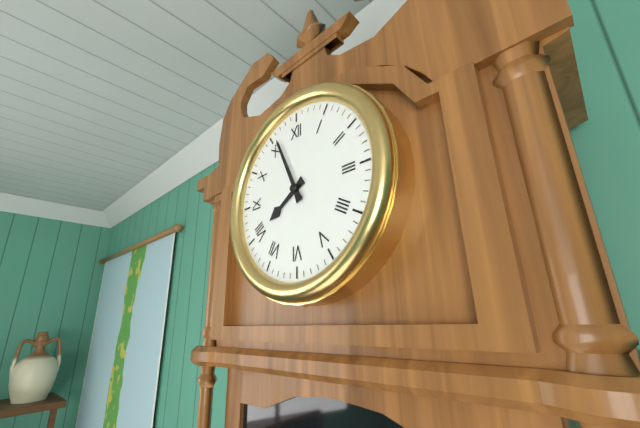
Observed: 7:56
